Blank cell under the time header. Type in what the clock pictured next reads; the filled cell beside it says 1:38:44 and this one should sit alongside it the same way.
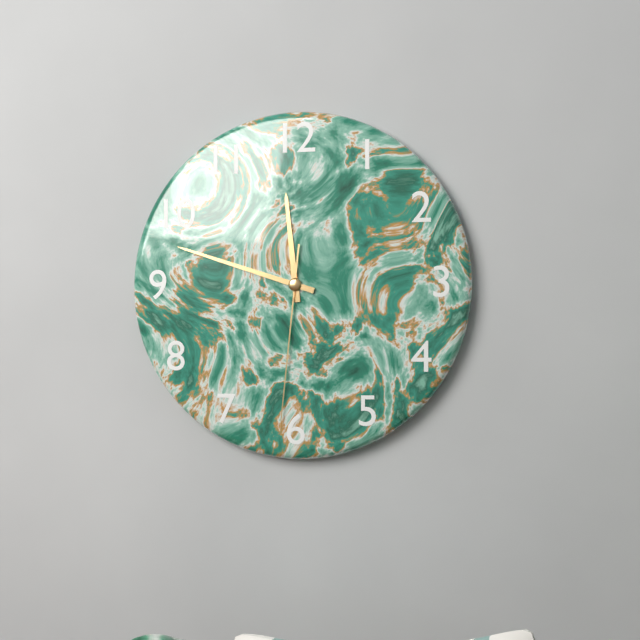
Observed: 11:48:31
